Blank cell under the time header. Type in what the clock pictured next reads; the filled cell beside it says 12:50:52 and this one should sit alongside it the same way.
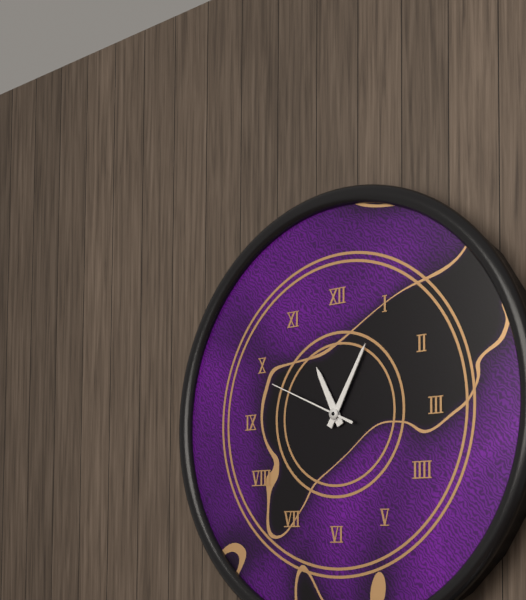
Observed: 11:05:49
